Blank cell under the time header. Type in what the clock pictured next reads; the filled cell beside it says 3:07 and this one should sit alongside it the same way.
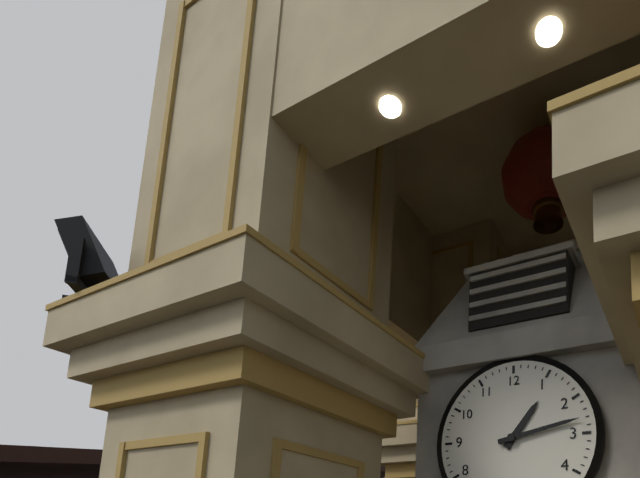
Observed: 1:13
